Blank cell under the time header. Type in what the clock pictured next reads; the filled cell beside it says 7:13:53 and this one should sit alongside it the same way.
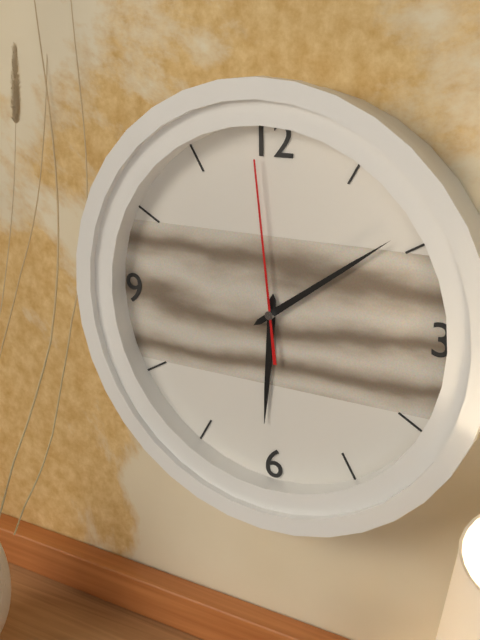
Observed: 6:09:59
